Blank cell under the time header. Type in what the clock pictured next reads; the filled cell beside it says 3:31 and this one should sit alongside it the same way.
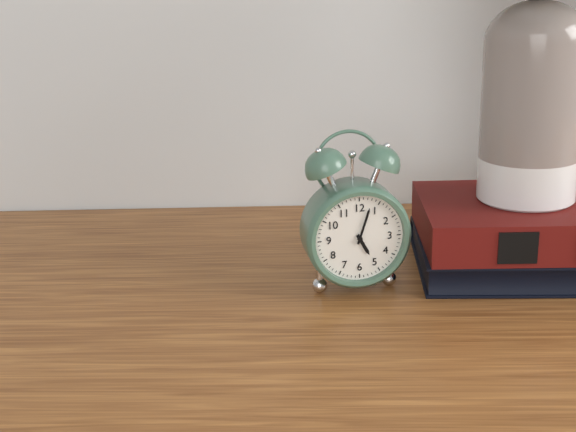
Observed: 5:03
